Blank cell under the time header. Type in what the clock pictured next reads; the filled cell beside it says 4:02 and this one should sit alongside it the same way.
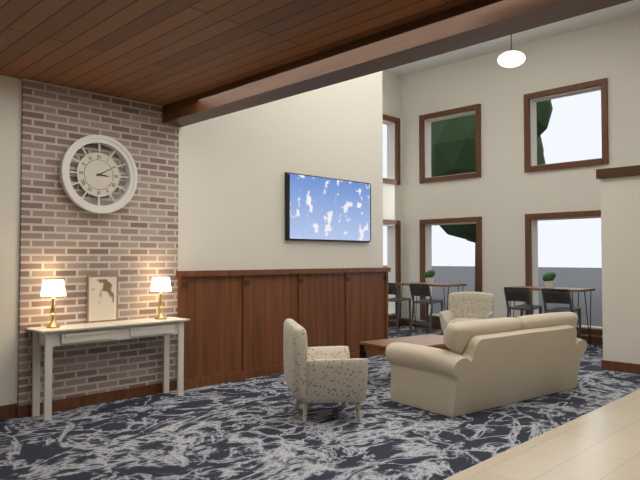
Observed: 3:10
